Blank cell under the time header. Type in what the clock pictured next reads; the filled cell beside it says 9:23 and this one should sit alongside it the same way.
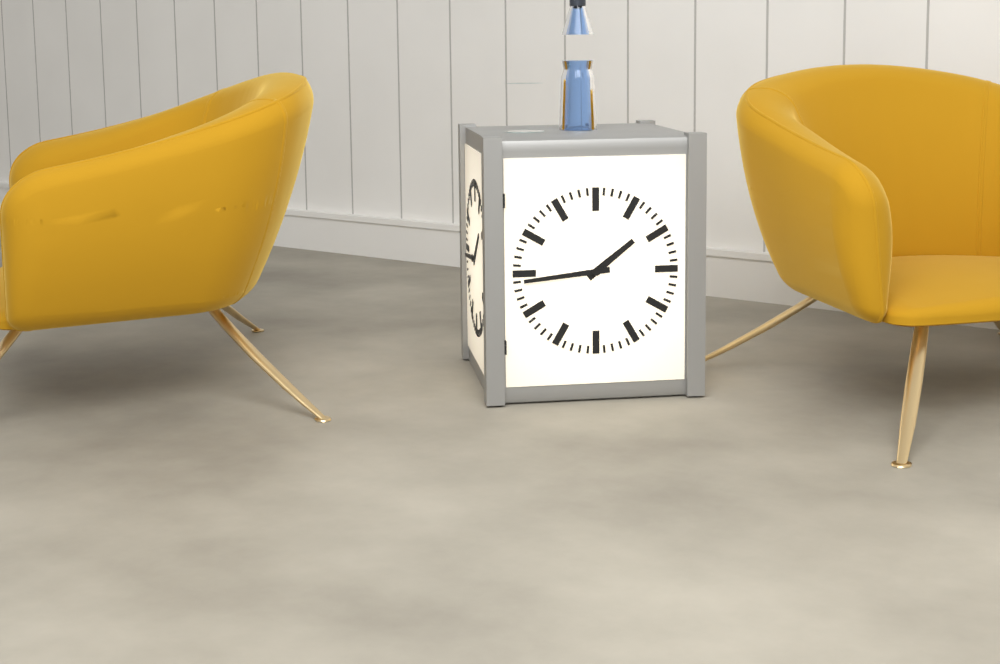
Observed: 1:44
